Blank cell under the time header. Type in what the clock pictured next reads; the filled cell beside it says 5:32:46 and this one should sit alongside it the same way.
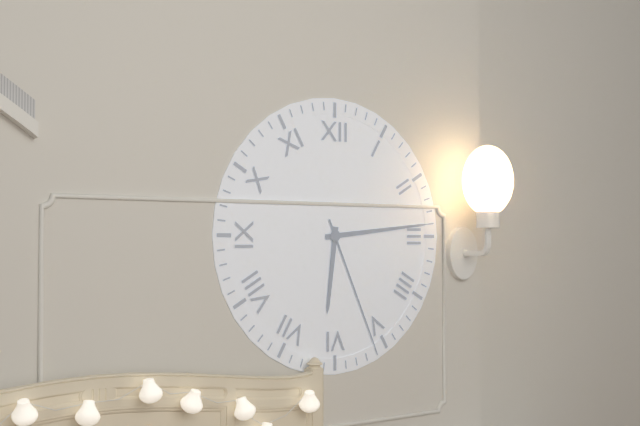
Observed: 6:14:26
